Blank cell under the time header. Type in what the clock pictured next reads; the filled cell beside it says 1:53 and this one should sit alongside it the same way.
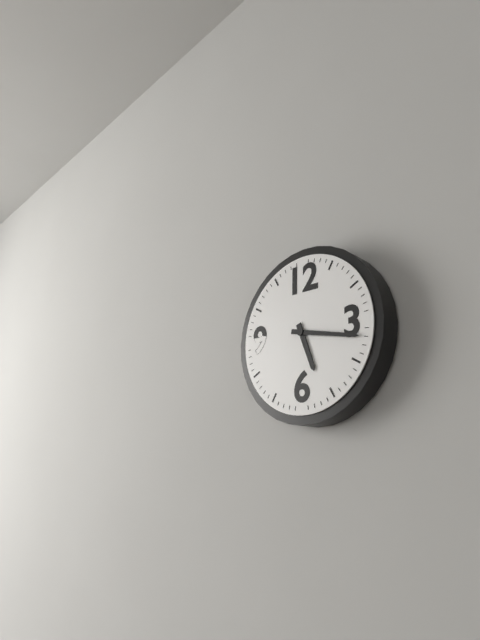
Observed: 5:17
